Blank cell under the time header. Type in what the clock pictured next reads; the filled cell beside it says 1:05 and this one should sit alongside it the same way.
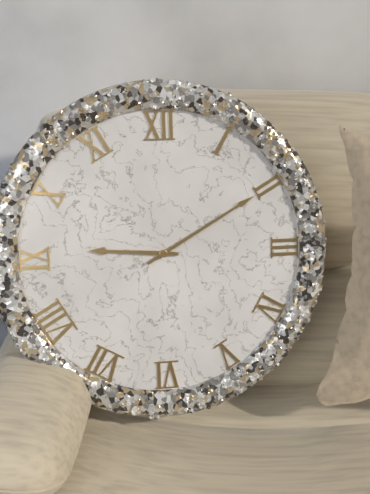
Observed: 9:10
